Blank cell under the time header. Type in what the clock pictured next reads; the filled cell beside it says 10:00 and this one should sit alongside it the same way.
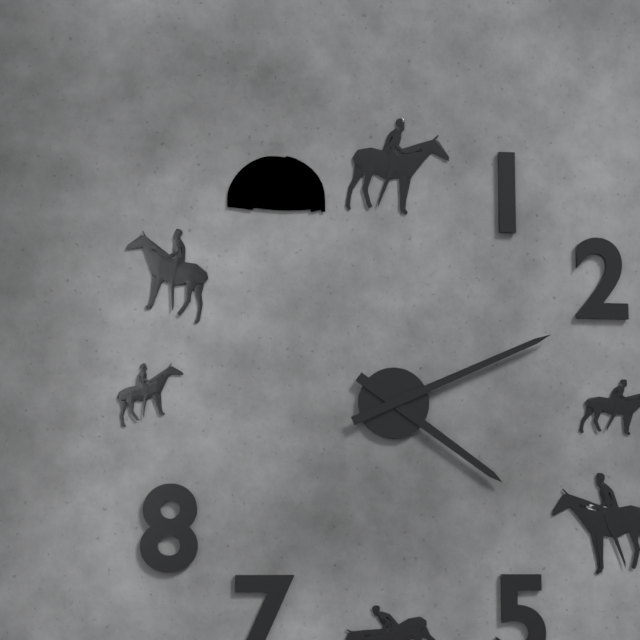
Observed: 4:11
